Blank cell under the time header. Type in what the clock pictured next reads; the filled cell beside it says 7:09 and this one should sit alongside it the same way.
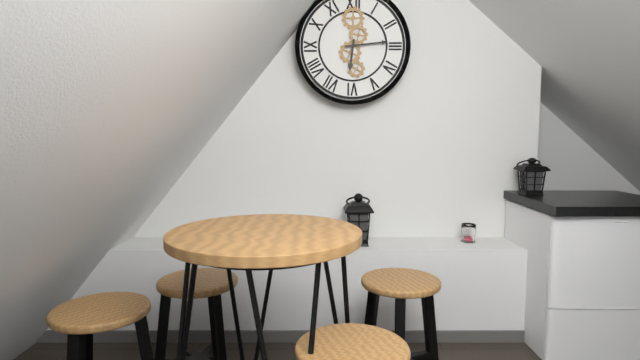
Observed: 6:14
